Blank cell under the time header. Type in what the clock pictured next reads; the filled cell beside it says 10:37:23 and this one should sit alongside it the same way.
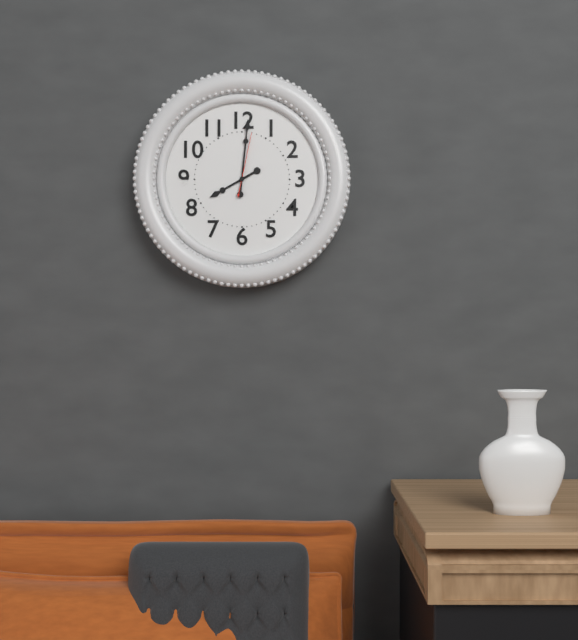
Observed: 8:01:02
